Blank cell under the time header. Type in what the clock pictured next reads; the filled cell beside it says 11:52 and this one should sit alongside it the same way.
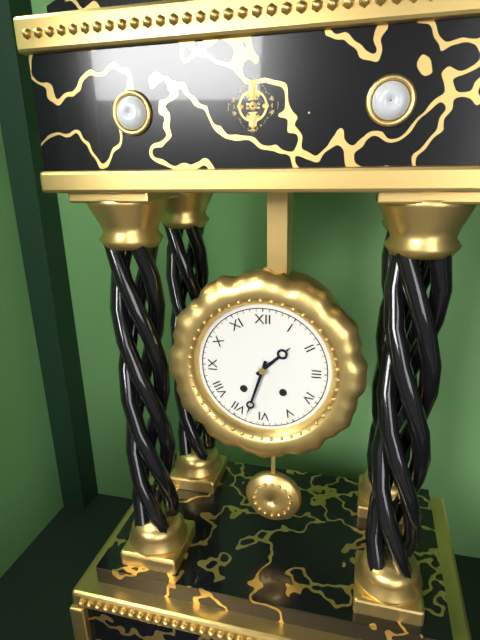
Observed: 1:33
